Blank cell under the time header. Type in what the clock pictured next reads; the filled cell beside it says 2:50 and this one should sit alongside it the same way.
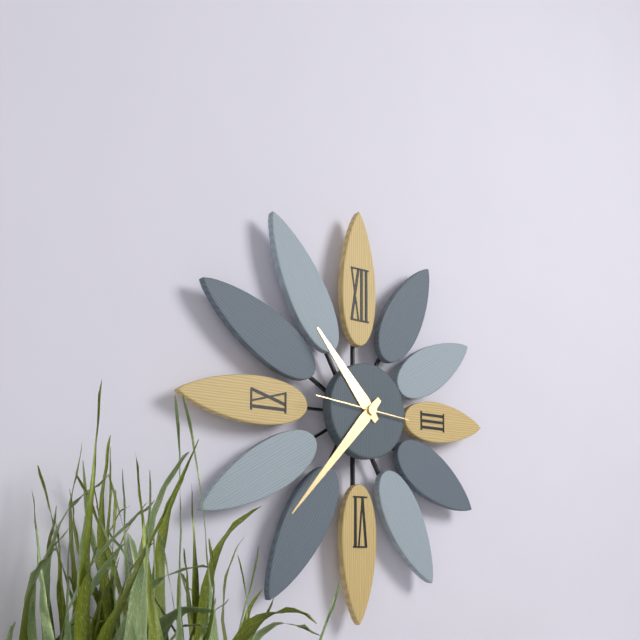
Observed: 10:37
